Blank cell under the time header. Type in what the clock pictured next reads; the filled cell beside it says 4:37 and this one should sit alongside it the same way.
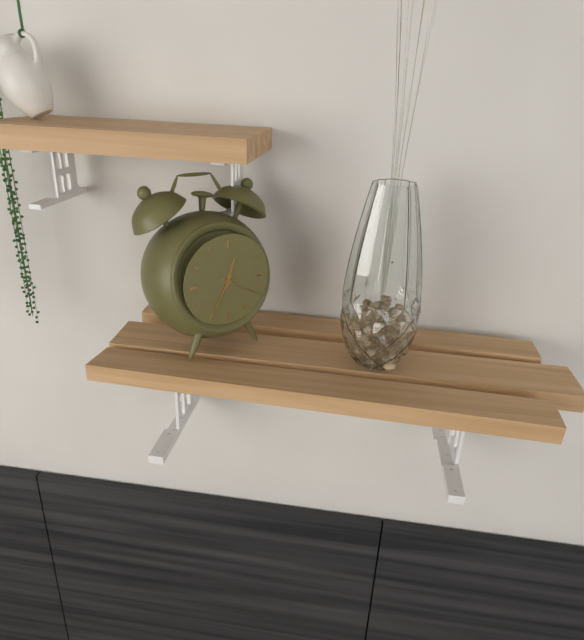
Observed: 12:35
